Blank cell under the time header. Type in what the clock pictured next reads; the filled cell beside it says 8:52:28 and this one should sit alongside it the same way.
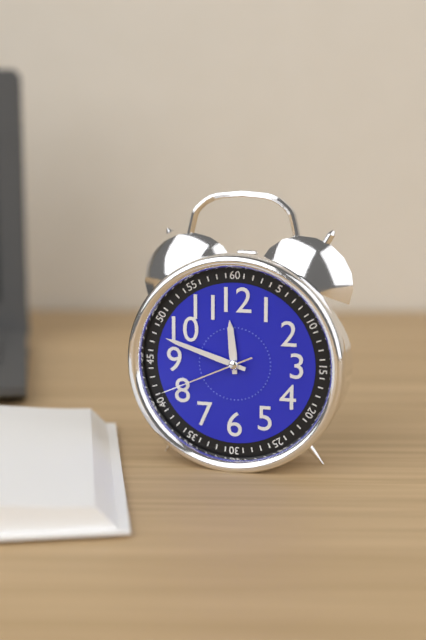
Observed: 11:48:41
